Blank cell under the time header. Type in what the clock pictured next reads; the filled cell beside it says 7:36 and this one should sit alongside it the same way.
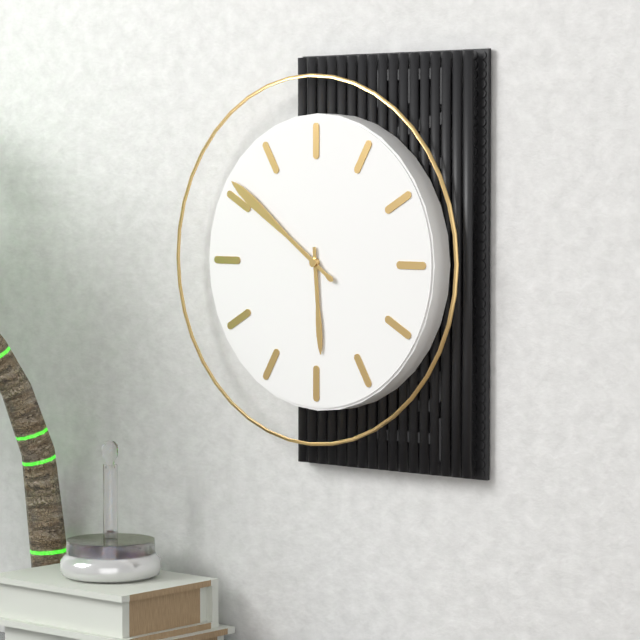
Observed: 5:51
